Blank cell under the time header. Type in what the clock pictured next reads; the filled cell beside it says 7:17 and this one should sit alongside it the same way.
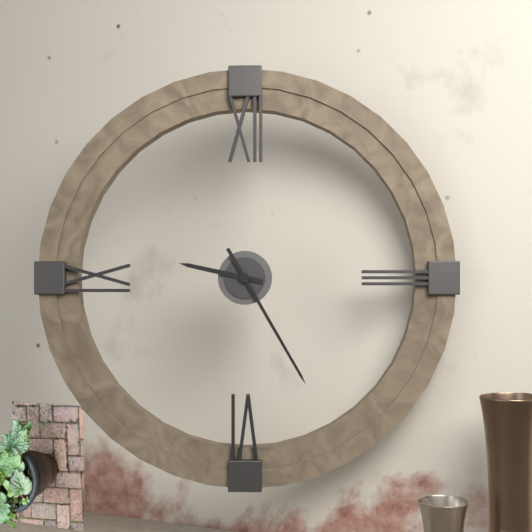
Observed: 9:25
